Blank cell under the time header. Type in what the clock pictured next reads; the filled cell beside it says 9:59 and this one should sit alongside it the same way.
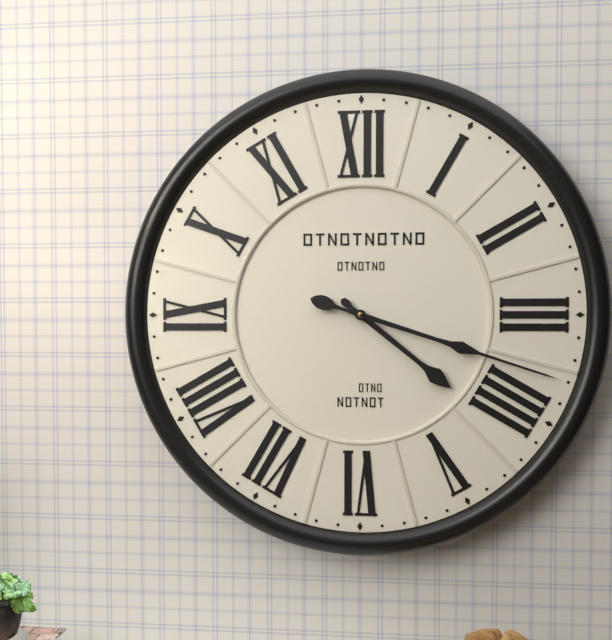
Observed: 4:18
